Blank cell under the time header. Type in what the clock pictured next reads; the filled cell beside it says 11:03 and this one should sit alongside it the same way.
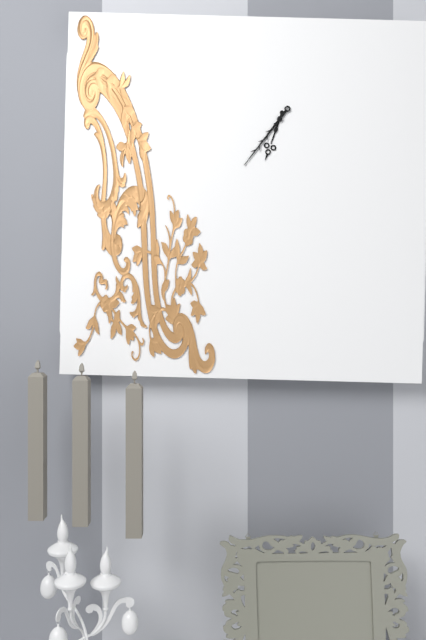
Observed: 6:36
